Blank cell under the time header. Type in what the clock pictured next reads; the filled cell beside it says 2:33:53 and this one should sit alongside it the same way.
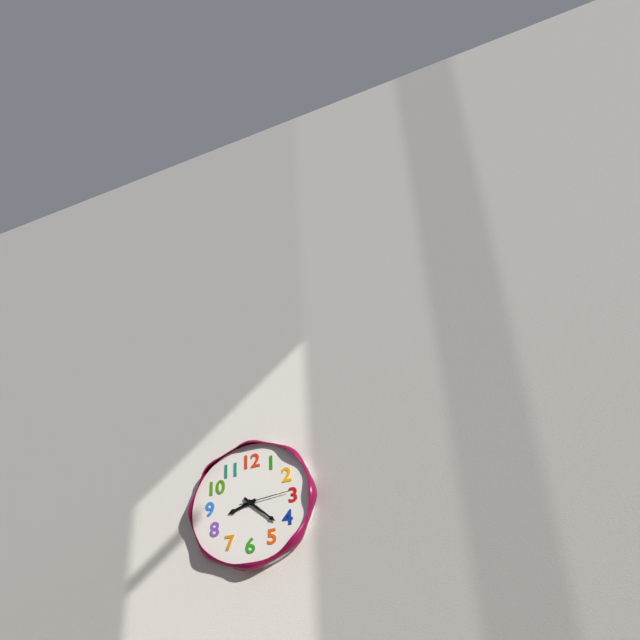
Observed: 8:22:14
